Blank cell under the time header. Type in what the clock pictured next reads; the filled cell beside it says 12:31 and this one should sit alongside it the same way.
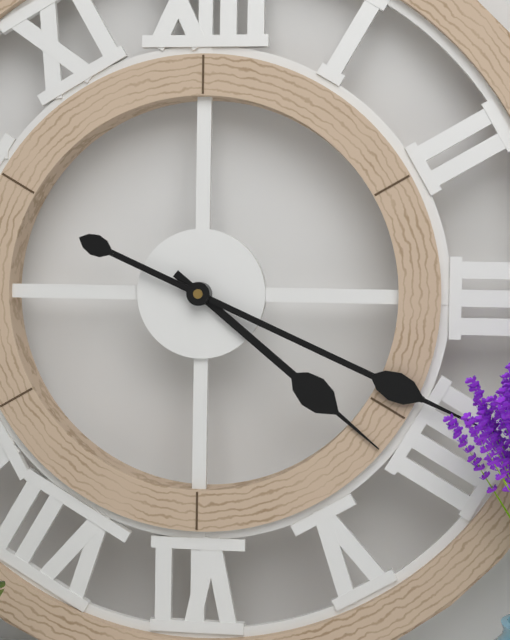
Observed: 4:19
